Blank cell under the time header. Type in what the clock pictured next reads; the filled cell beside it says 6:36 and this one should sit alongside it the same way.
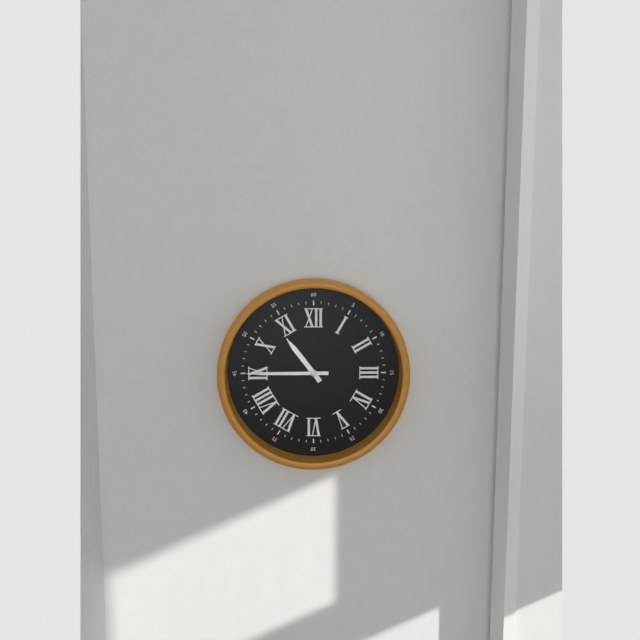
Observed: 10:45
